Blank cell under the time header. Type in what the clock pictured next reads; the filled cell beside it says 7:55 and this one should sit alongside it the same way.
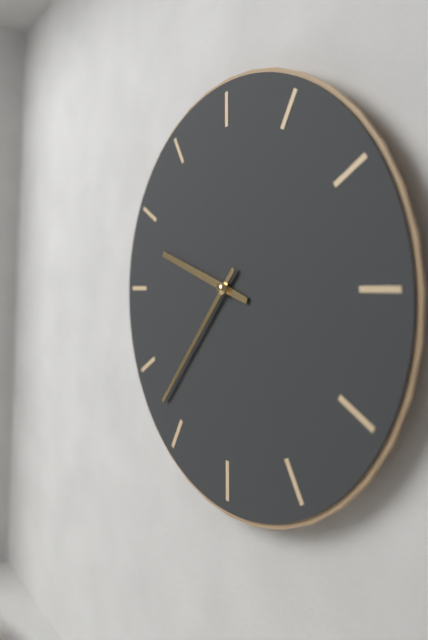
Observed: 9:37
